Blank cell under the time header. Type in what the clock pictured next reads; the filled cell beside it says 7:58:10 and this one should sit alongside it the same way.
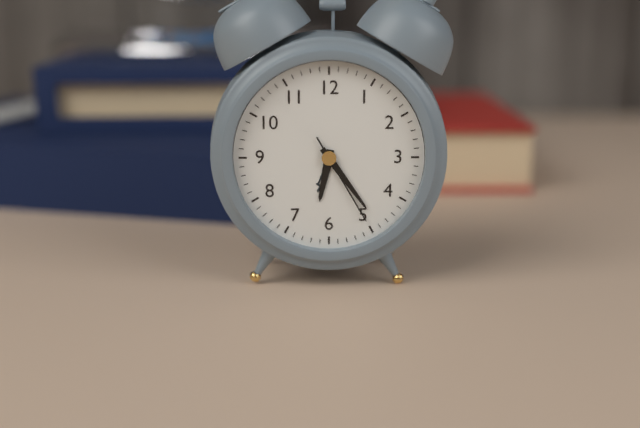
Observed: 6:24:25
